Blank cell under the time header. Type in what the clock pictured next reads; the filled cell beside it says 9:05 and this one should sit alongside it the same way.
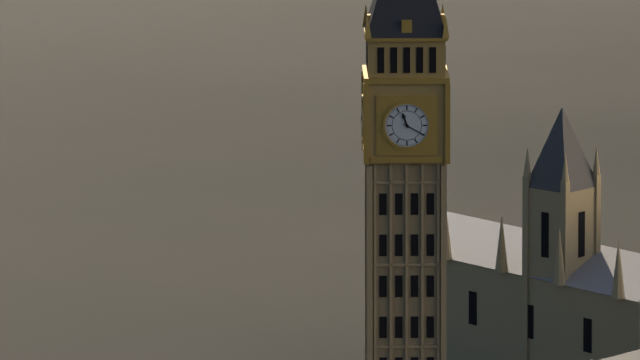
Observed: 11:20
